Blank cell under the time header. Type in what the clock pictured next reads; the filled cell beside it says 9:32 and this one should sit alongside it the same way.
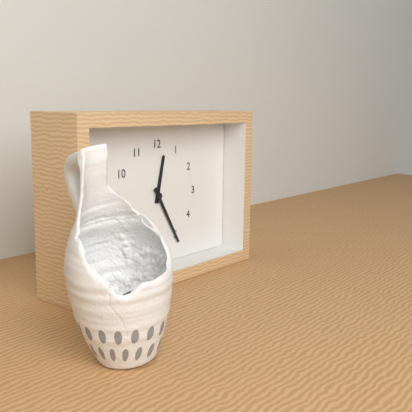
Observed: 12:25
